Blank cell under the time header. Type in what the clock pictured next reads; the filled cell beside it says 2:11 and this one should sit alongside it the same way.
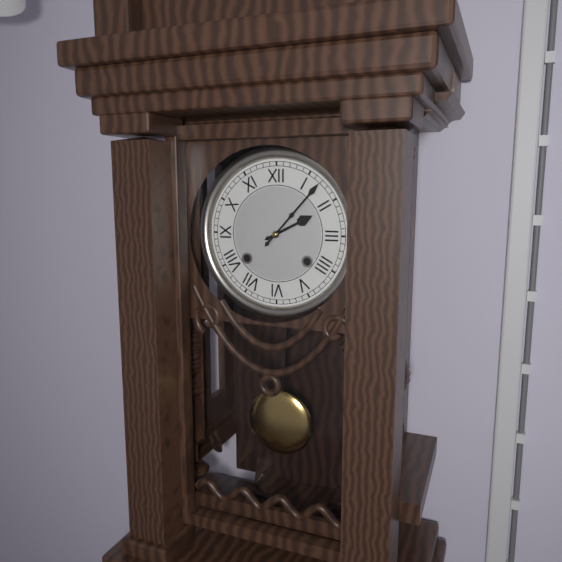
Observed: 2:07
